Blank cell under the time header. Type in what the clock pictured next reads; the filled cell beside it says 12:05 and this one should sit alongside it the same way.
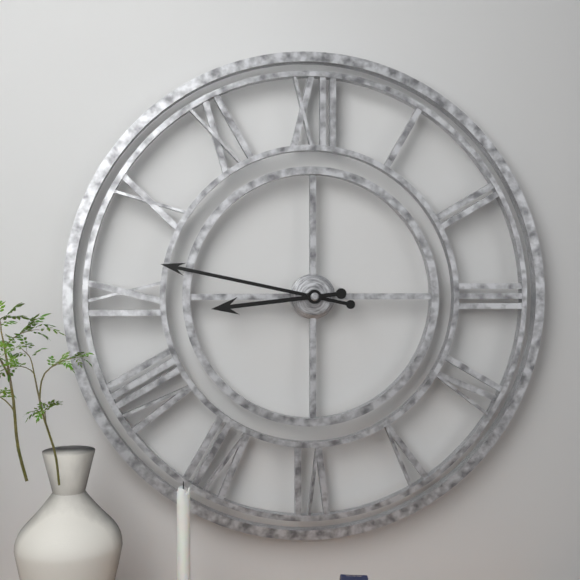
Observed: 8:47
